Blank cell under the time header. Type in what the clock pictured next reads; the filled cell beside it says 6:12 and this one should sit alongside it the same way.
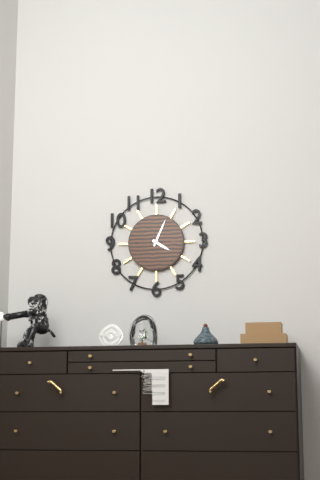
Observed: 4:04
